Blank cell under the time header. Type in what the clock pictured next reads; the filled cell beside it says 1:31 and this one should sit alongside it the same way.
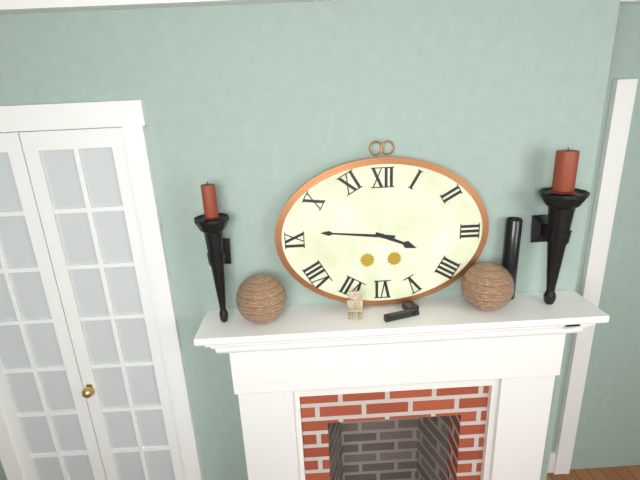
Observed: 3:46
